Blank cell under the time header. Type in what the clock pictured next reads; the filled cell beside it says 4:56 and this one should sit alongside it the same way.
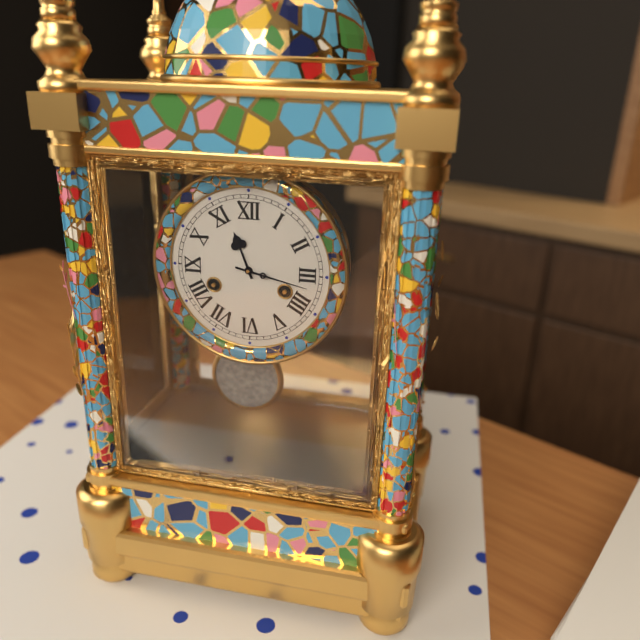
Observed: 11:17
